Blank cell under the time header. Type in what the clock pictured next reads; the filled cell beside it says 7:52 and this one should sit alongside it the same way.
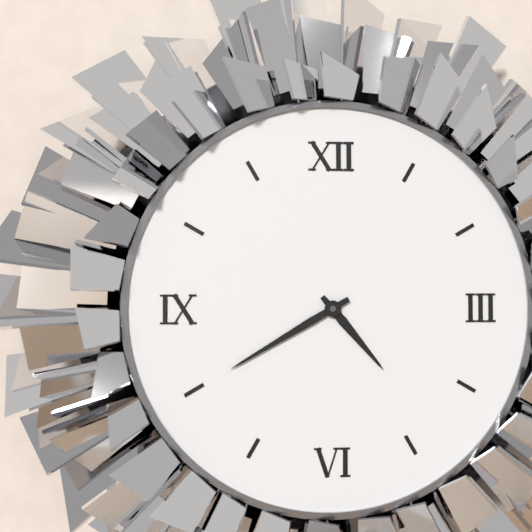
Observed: 4:40
